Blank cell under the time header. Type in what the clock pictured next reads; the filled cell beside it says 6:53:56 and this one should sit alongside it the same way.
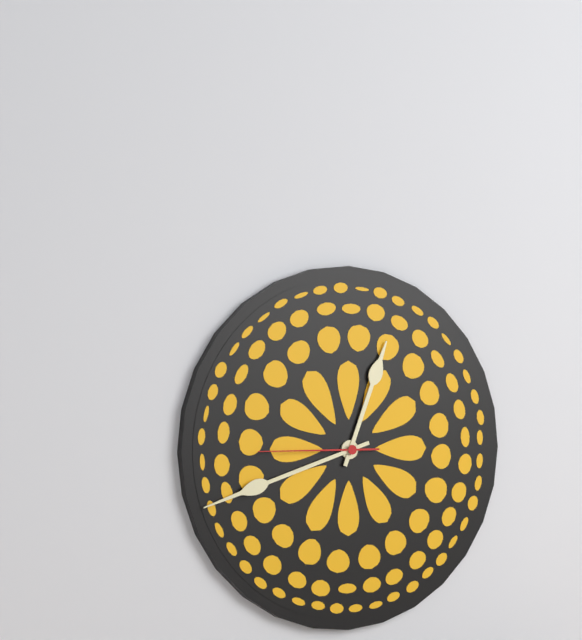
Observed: 12:42:45
